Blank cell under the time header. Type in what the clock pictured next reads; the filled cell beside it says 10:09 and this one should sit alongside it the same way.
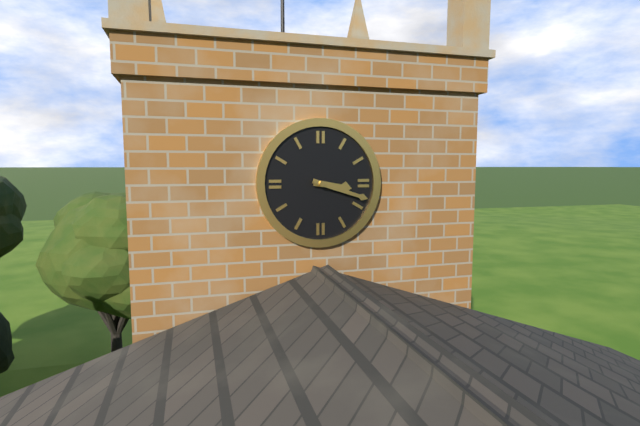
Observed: 3:18
